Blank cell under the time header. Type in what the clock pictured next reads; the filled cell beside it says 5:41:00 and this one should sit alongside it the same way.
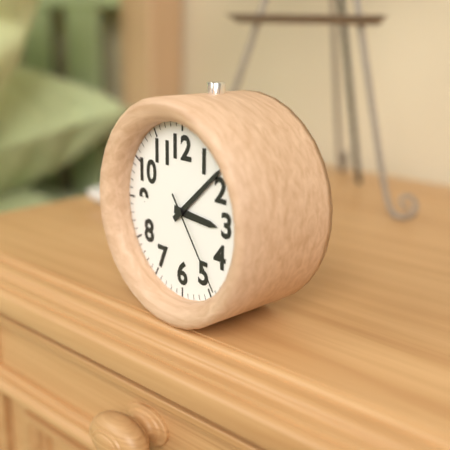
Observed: 3:08:24
